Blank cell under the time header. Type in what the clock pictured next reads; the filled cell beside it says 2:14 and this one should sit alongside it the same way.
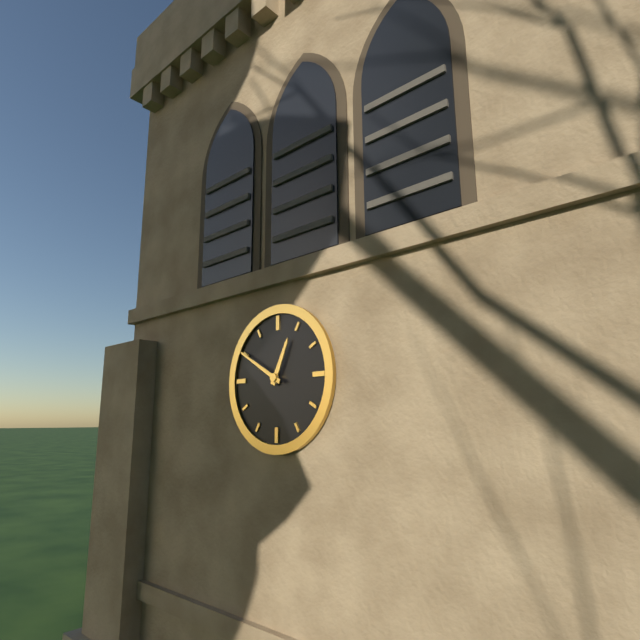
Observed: 12:50
